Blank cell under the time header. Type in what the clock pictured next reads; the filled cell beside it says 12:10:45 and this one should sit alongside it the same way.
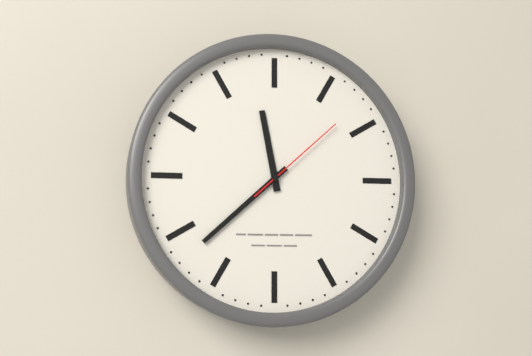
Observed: 11:38:08
